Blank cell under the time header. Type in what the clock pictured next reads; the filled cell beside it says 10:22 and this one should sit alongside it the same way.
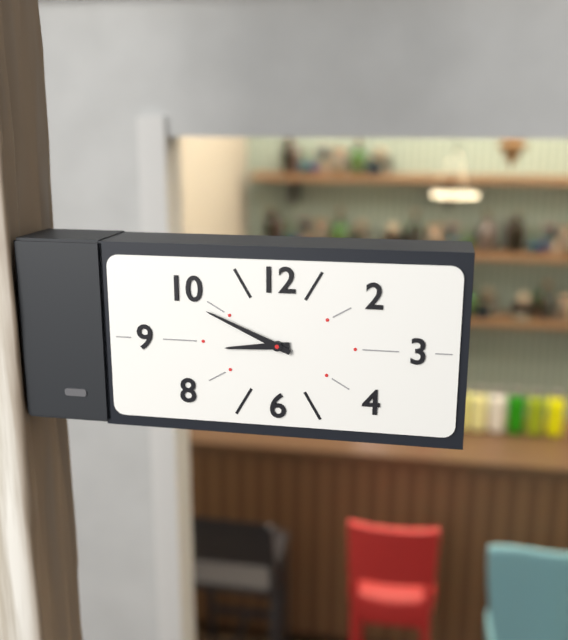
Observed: 8:49
